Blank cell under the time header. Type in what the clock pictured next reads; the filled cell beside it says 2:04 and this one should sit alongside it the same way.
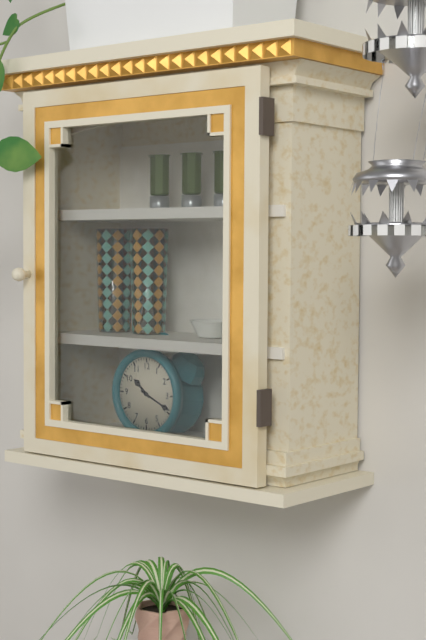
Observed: 10:19
